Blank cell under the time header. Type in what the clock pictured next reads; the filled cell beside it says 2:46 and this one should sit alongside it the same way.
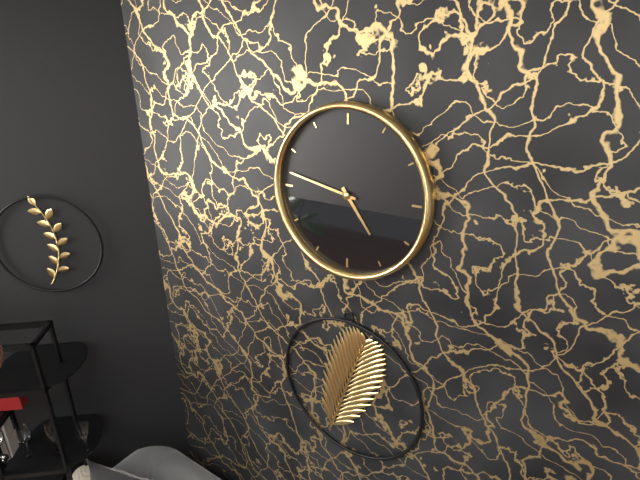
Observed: 4:47
